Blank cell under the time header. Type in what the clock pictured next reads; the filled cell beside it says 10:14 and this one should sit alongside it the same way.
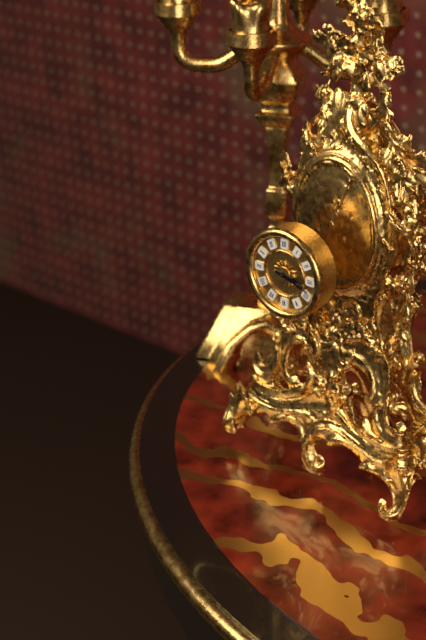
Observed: 3:18
